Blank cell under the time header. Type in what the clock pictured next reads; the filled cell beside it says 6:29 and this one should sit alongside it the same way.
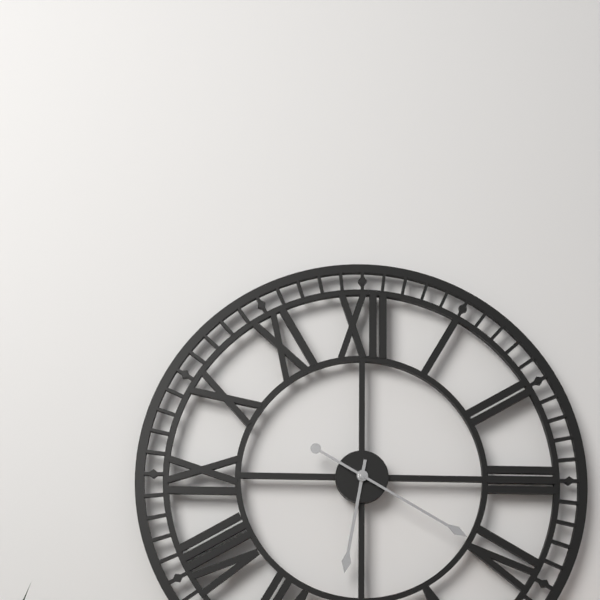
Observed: 6:20
